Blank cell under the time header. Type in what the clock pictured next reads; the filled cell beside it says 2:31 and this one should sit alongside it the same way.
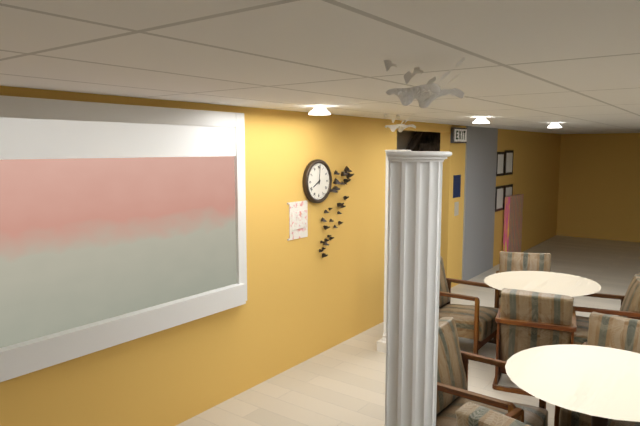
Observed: 8:01
